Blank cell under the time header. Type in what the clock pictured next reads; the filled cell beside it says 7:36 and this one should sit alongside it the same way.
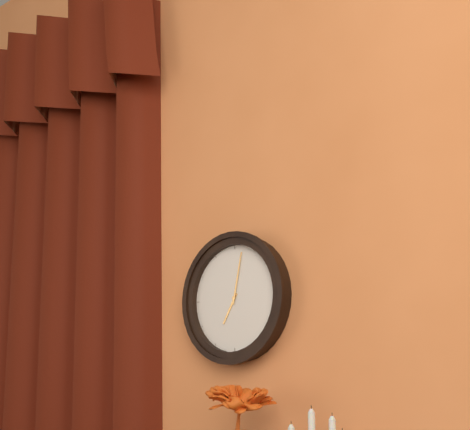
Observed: 7:02
